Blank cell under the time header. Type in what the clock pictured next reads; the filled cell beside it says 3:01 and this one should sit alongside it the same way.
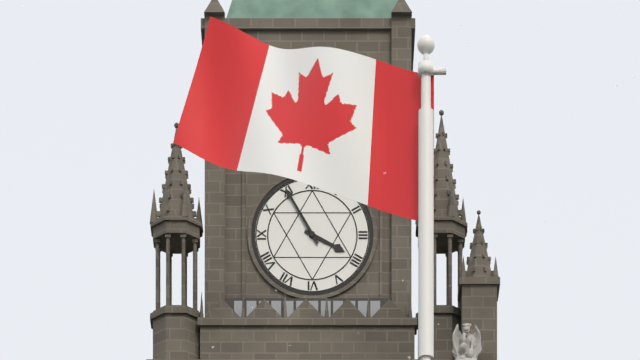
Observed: 3:55
